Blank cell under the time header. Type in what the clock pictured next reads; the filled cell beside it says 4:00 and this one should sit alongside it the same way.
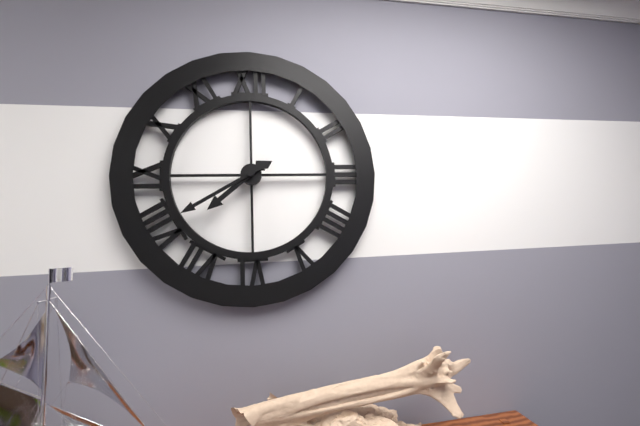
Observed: 7:40
